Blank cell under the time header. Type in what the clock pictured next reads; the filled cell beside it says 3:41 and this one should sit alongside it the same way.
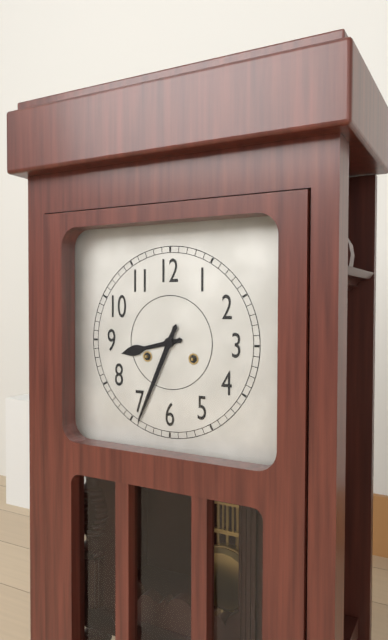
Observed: 8:34
